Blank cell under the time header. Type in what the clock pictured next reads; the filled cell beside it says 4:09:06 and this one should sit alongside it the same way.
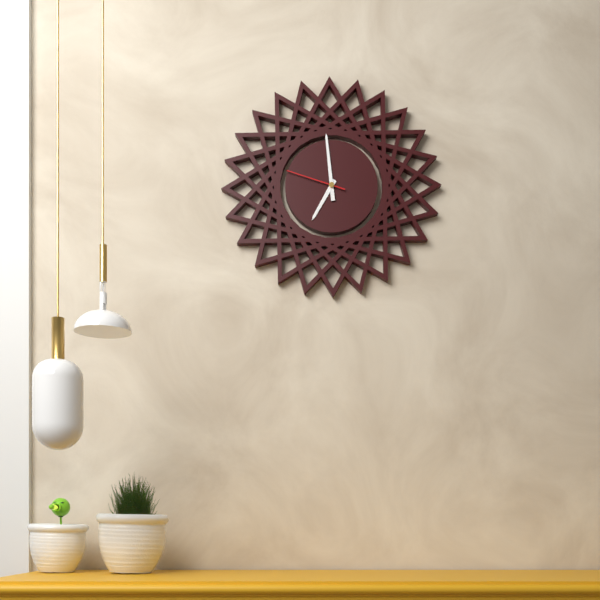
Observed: 6:59:48
